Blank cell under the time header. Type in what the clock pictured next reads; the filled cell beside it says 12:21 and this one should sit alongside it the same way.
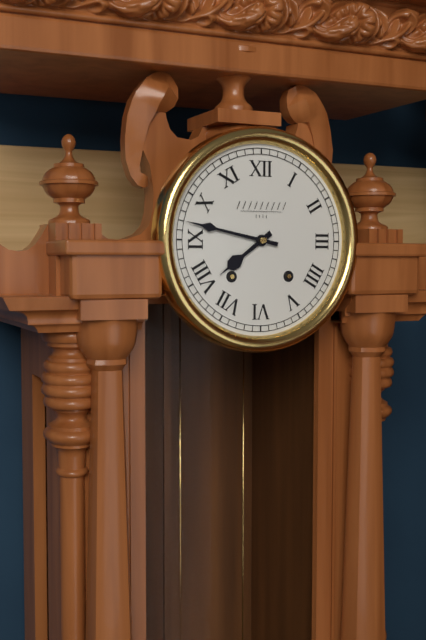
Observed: 7:47
